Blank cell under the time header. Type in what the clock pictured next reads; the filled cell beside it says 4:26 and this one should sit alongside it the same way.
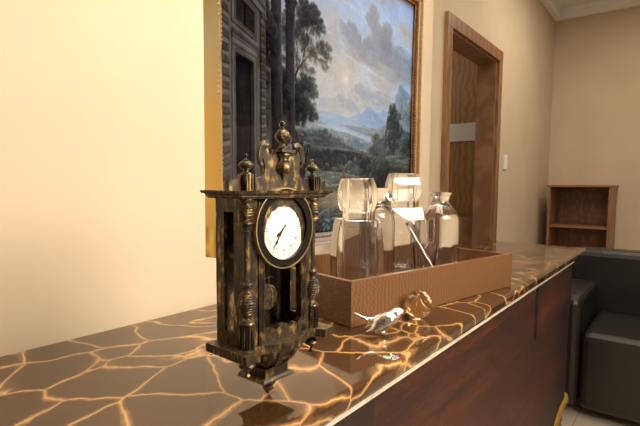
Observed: 7:36
